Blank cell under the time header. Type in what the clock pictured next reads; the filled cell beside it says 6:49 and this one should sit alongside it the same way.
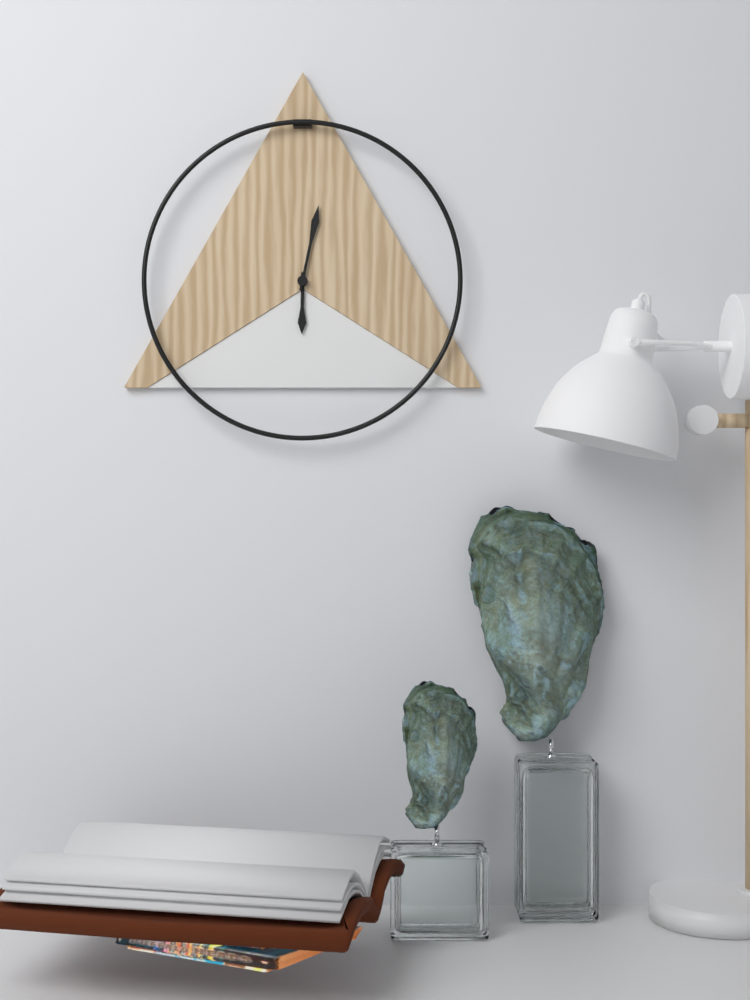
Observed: 6:02
